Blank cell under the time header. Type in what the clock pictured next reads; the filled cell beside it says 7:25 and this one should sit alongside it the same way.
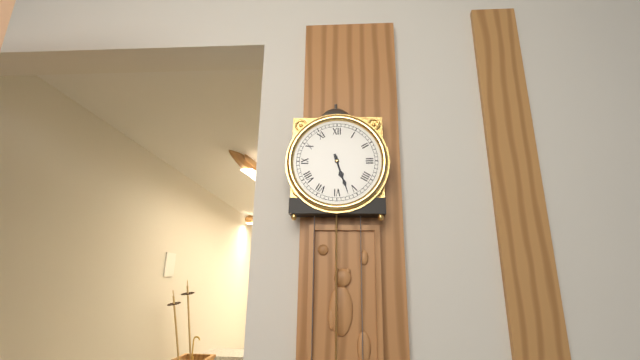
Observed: 5:27
